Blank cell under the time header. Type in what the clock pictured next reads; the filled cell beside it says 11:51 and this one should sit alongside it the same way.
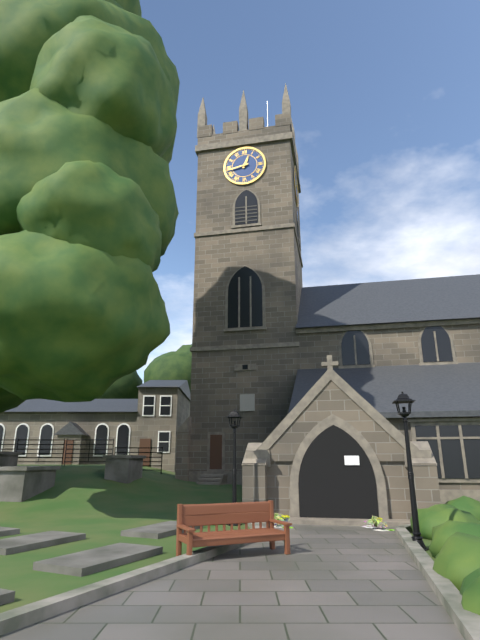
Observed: 12:43
